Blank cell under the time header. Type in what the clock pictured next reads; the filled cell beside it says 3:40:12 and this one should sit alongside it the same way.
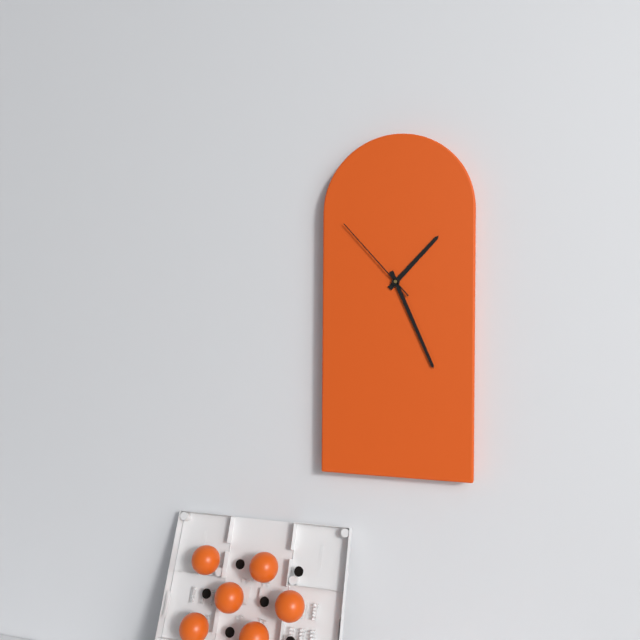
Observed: 1:26:53
